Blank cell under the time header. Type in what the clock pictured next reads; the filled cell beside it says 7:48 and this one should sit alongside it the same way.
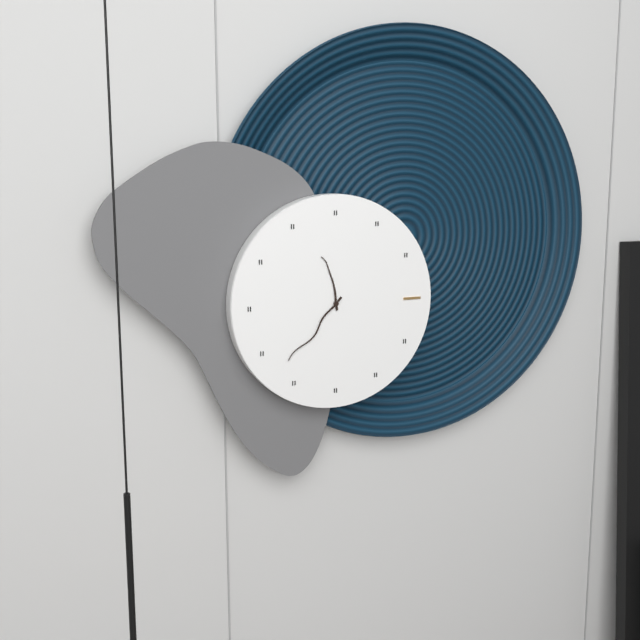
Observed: 11:37
